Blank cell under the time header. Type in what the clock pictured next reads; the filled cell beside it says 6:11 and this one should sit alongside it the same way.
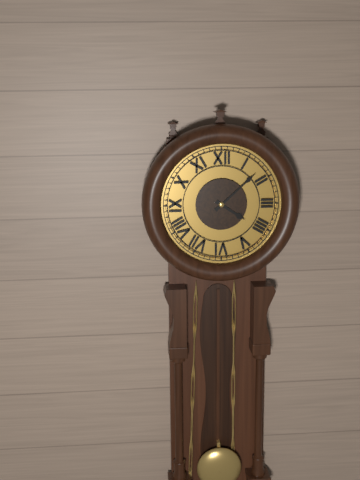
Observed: 4:08
